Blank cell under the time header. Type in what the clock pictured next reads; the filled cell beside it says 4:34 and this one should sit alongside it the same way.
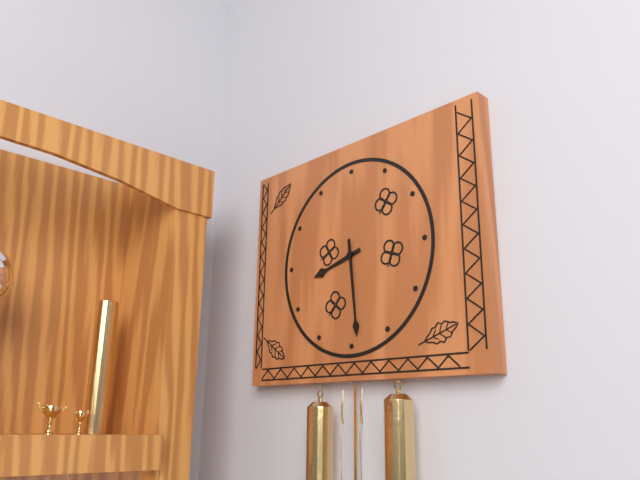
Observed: 8:29
